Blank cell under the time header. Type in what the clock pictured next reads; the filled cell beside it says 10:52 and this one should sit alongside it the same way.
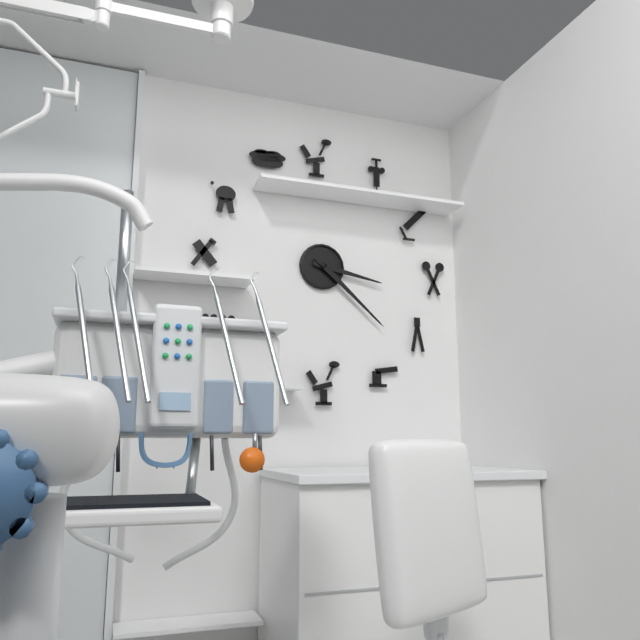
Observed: 3:22
